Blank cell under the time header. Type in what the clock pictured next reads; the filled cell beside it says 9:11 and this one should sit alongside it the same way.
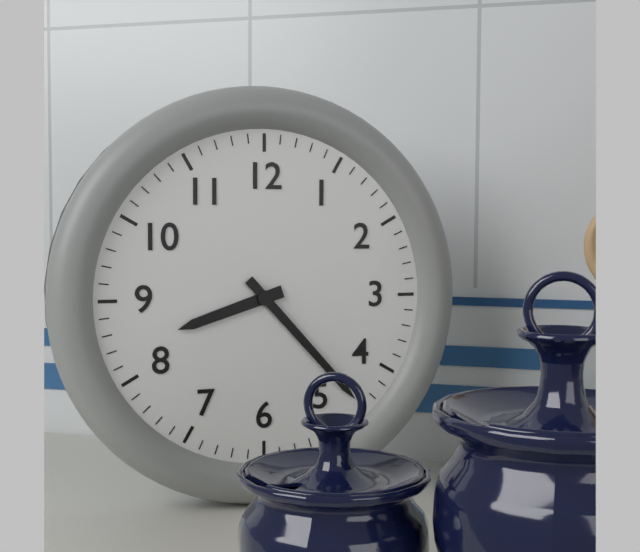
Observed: 8:23
